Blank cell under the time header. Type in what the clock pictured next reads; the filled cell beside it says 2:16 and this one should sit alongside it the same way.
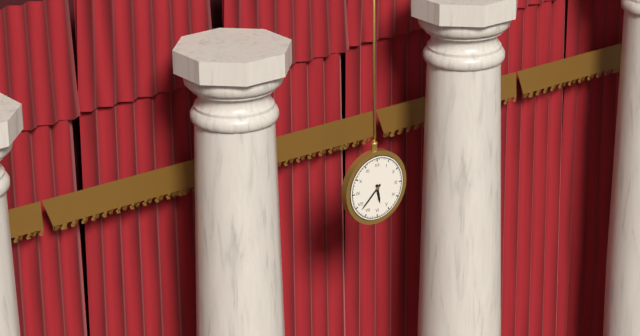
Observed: 5:38
